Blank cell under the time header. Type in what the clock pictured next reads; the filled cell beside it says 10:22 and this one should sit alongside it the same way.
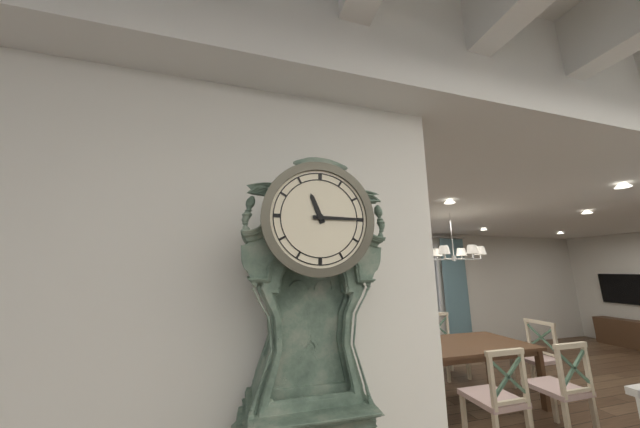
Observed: 11:15
